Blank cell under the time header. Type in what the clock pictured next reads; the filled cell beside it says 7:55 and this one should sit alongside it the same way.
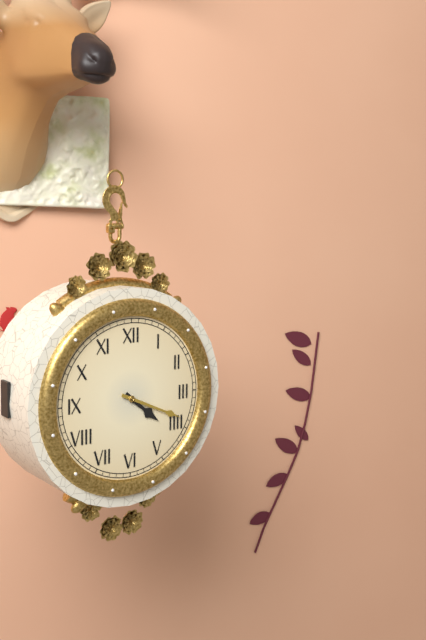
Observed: 4:19
